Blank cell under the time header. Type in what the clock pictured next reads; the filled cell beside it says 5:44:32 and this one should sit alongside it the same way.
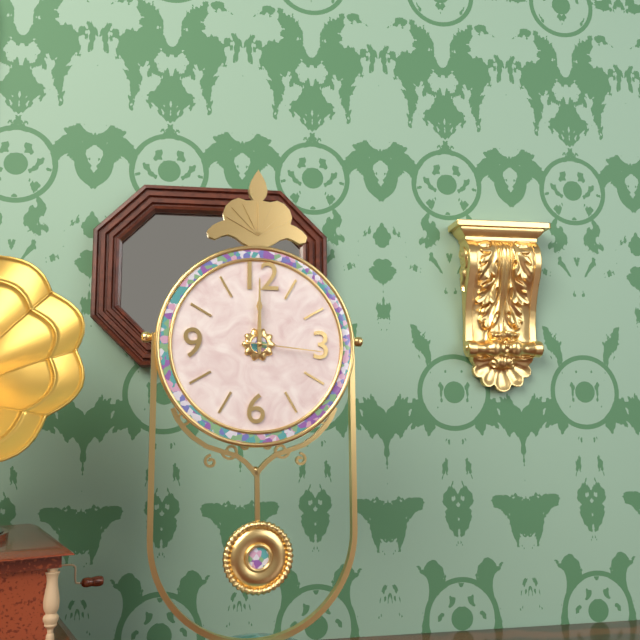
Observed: 12:00:16
